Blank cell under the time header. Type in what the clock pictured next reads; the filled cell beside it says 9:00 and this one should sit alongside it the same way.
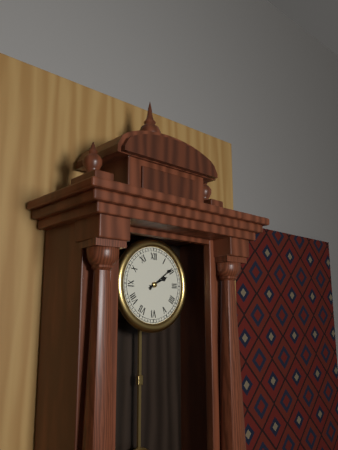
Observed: 2:09
